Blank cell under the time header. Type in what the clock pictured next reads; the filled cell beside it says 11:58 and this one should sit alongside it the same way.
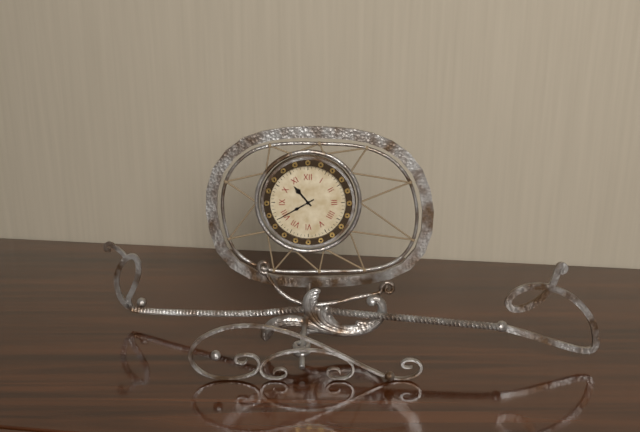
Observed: 10:40
